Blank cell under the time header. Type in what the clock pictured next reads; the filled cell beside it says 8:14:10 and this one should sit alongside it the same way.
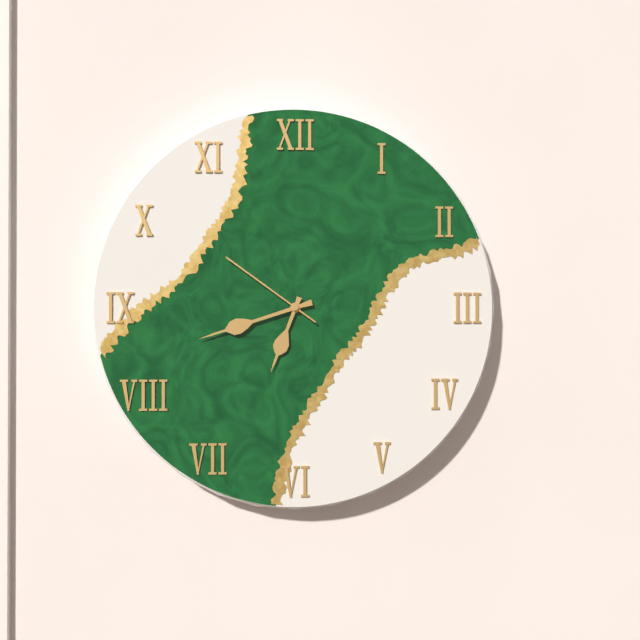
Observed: 6:42:51
